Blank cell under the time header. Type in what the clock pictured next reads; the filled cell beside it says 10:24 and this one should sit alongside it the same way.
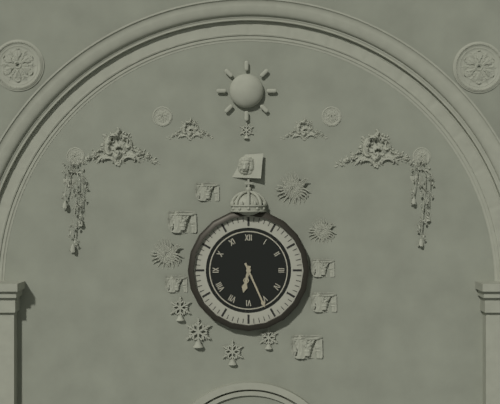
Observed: 6:26
